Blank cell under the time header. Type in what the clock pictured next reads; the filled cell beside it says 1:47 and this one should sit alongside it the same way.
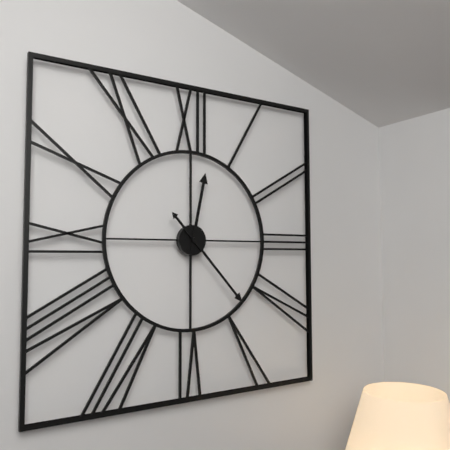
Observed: 12:23
